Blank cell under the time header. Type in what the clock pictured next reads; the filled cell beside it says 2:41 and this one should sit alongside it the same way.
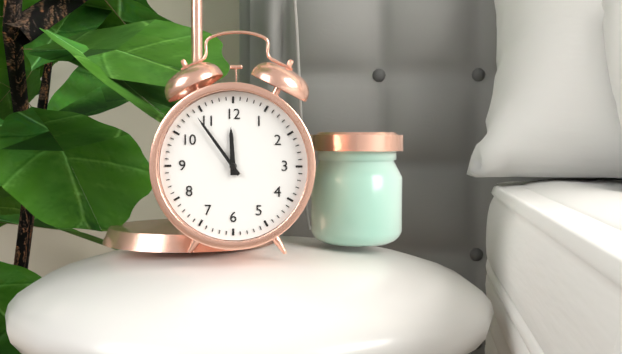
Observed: 11:54
